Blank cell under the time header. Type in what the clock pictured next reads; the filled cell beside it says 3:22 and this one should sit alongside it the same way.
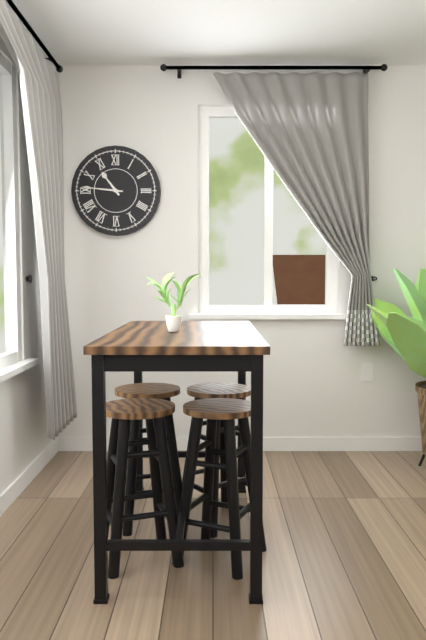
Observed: 10:46
